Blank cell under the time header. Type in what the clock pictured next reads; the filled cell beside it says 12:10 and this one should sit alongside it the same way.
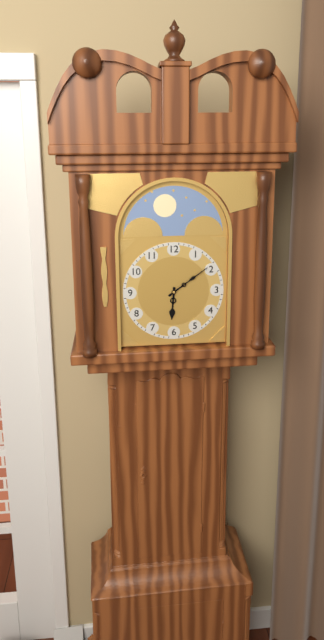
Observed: 6:09
